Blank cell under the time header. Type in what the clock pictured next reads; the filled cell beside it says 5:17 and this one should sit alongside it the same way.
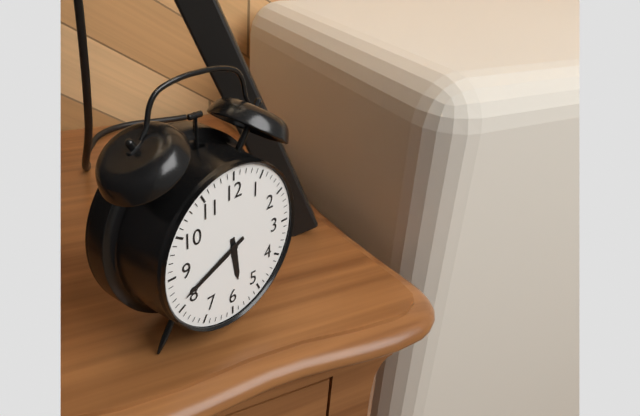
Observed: 5:41
